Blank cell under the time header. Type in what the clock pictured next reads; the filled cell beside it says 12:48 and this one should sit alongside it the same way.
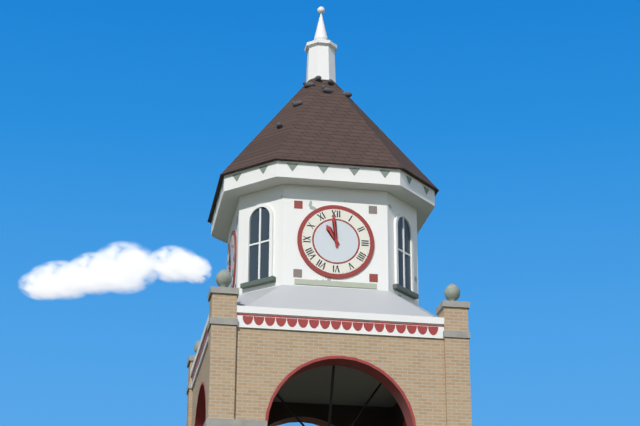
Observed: 10:59
